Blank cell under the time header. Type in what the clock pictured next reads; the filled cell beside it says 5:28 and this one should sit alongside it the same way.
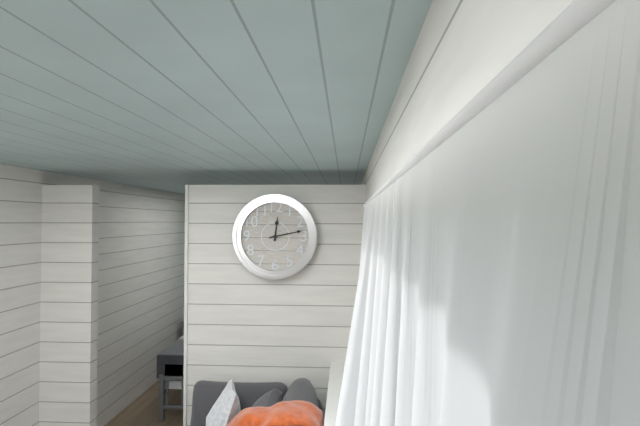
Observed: 12:13
